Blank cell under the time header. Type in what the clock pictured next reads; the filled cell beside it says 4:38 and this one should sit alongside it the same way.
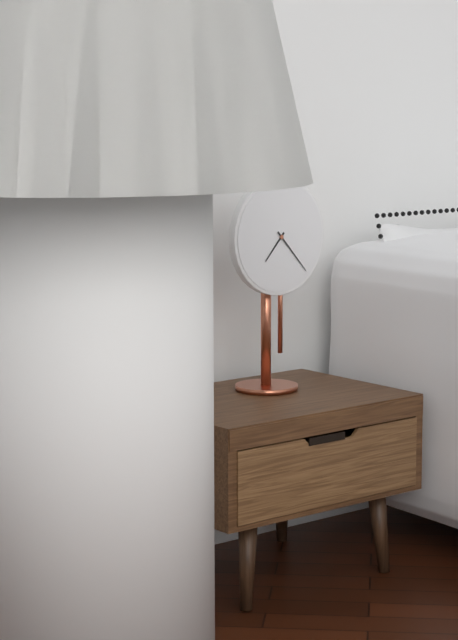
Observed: 7:23
